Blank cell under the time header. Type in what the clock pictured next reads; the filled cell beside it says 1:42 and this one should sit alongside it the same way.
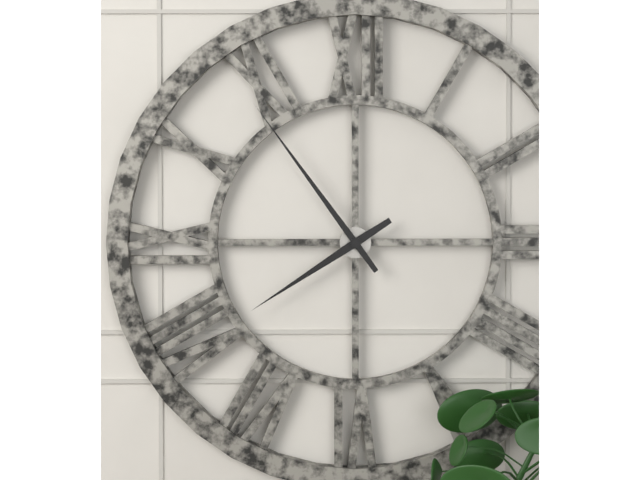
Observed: 7:54
